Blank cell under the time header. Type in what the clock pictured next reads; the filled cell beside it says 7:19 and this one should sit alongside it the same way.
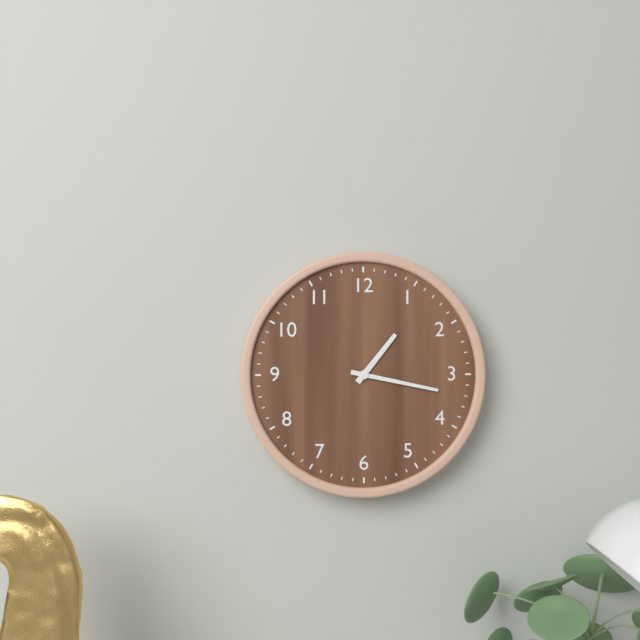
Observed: 1:17
